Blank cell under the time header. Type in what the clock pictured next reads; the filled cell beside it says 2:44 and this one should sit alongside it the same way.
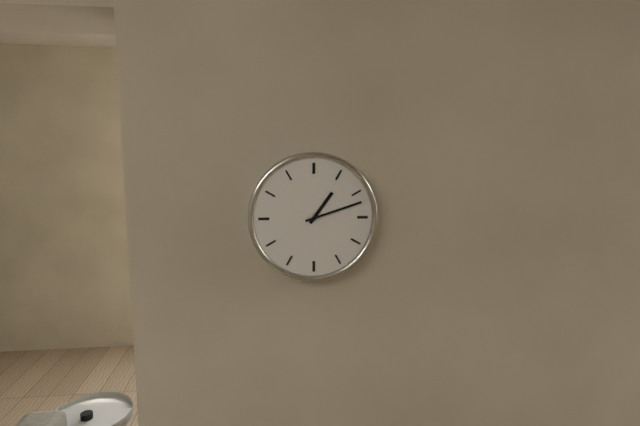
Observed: 1:12
